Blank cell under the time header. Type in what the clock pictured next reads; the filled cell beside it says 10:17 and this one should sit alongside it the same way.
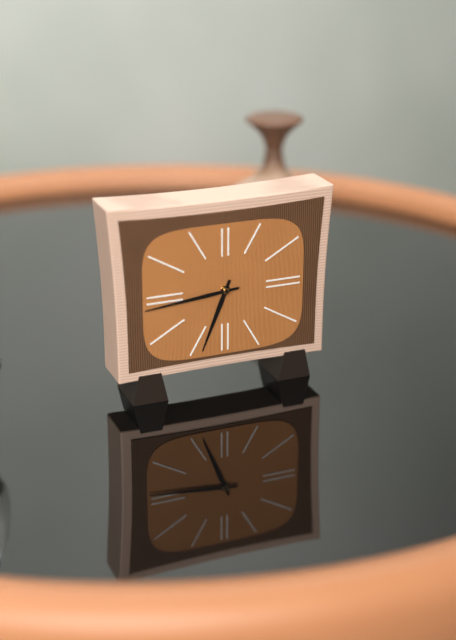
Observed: 6:44
